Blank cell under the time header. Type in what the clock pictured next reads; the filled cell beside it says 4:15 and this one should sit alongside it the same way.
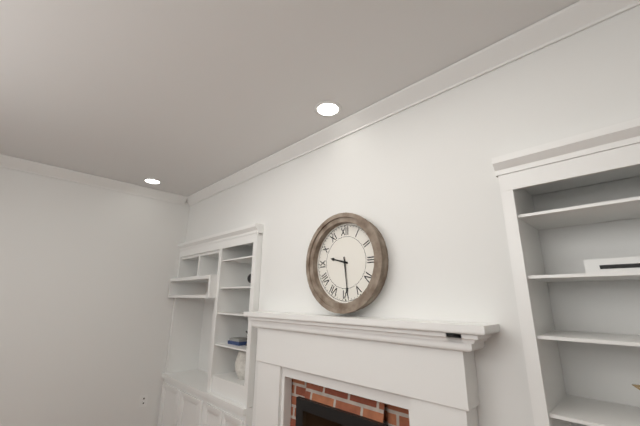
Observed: 9:29
